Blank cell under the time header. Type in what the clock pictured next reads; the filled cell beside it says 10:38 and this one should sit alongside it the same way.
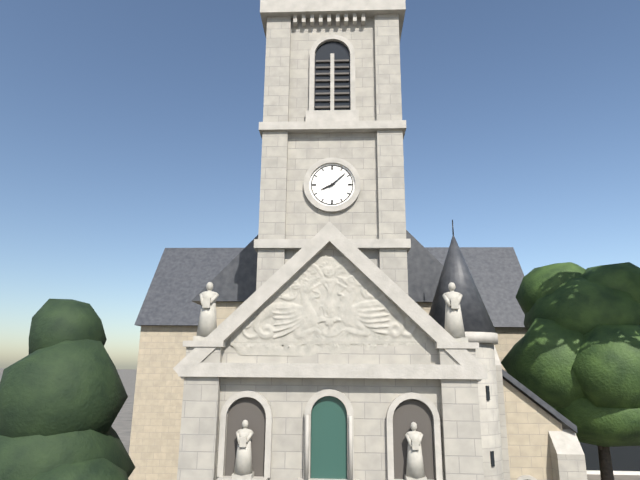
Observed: 8:08
